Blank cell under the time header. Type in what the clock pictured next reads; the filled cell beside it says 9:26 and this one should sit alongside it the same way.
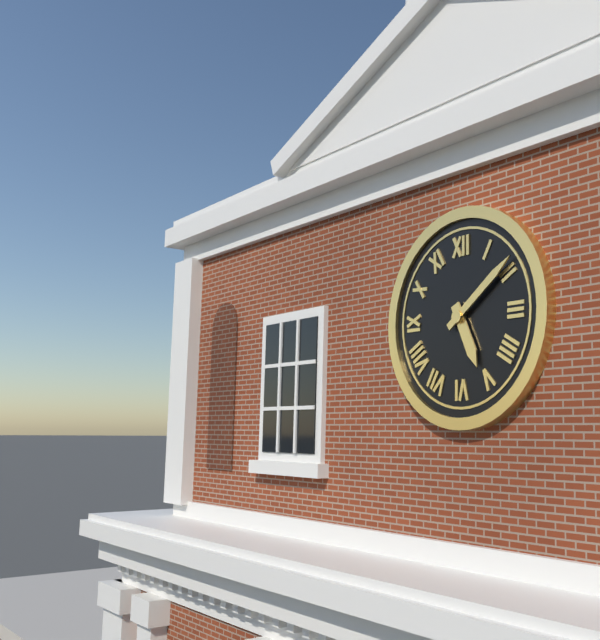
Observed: 5:09
